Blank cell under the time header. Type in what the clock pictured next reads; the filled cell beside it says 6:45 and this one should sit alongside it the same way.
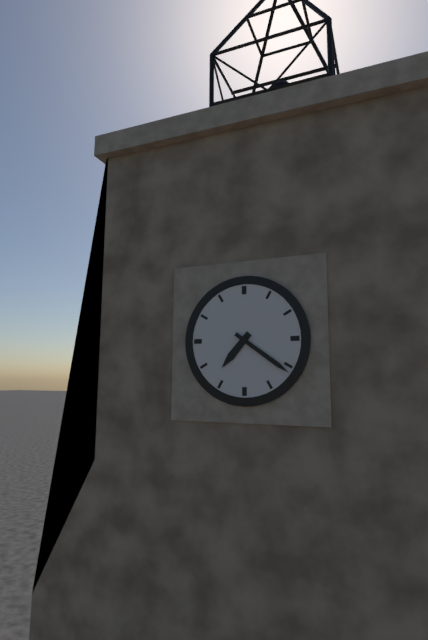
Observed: 7:21
